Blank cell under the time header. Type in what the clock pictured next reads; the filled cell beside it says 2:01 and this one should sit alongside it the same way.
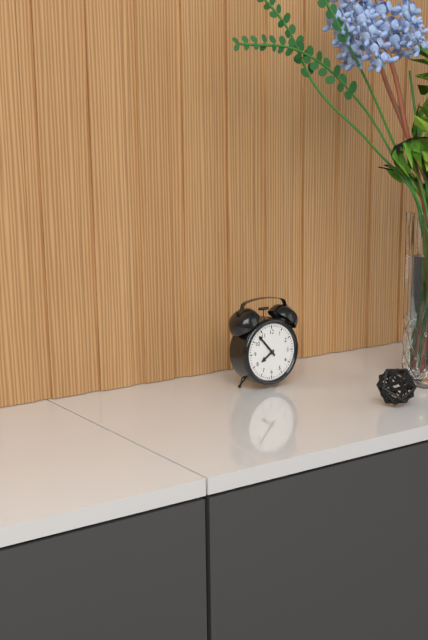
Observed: 7:53
